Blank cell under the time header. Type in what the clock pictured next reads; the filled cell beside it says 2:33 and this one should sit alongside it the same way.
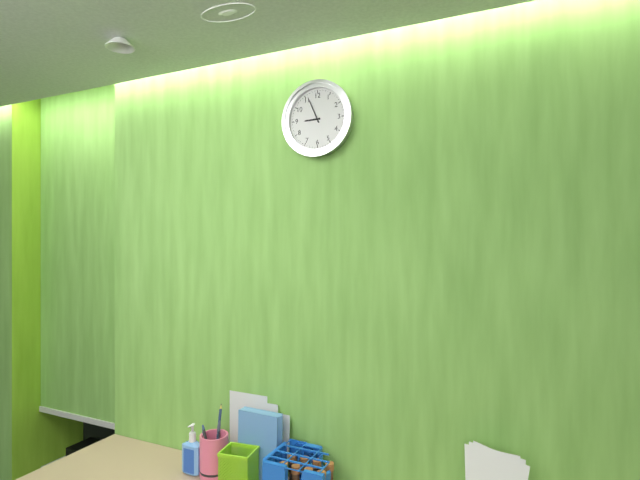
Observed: 8:56
